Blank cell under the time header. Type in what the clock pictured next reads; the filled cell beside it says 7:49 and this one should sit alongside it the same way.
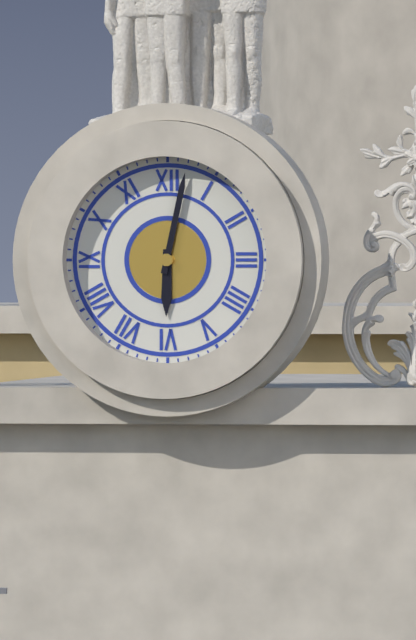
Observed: 6:02
